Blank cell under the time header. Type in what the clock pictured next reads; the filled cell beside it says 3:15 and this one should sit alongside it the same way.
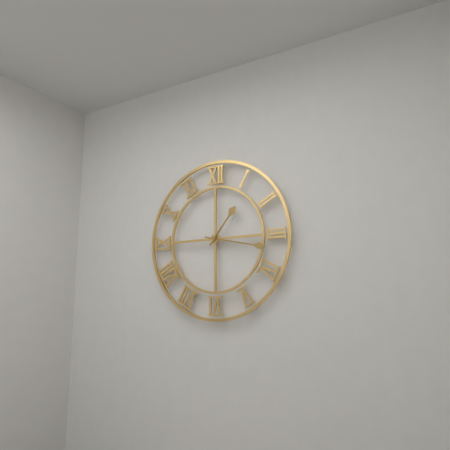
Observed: 1:17
